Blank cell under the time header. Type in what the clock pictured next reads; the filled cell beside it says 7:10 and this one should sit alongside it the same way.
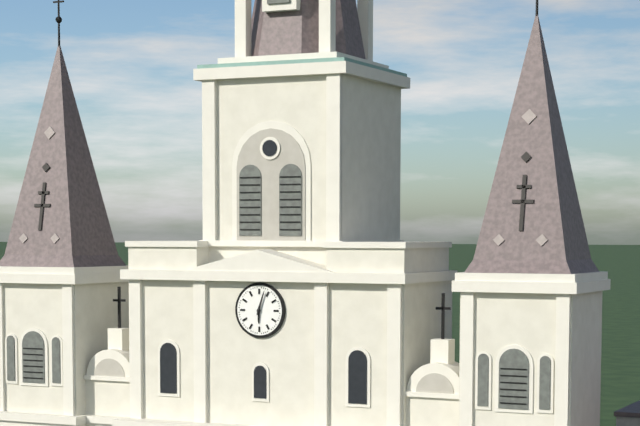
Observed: 6:03
